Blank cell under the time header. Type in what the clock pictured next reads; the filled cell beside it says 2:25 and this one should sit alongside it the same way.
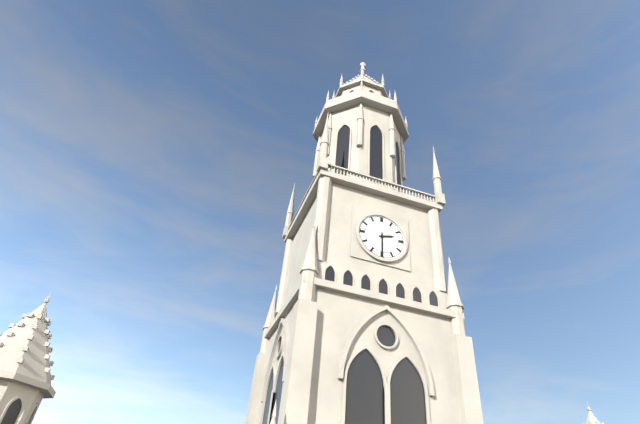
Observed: 2:30
